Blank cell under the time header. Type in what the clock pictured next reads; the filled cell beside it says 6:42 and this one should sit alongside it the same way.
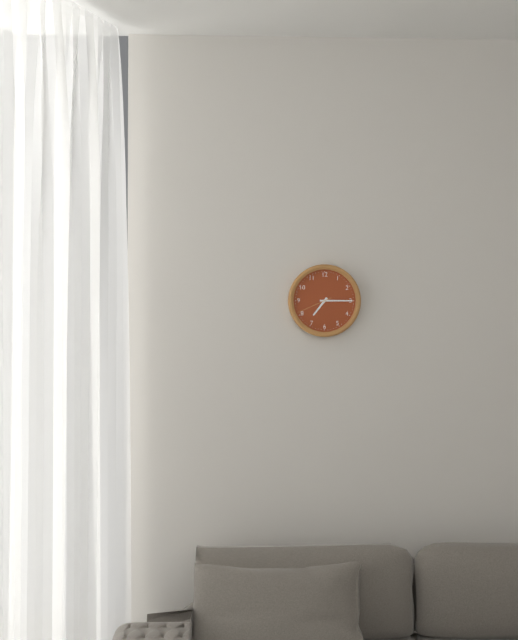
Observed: 7:15
